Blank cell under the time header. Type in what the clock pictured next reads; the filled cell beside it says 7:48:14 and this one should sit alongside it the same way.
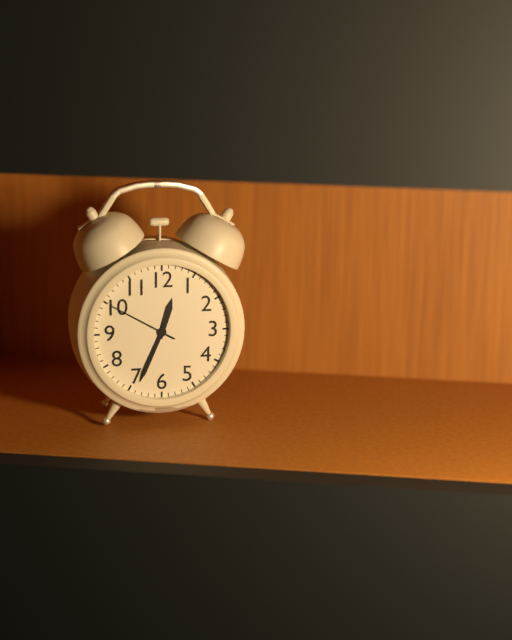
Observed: 12:34:50
